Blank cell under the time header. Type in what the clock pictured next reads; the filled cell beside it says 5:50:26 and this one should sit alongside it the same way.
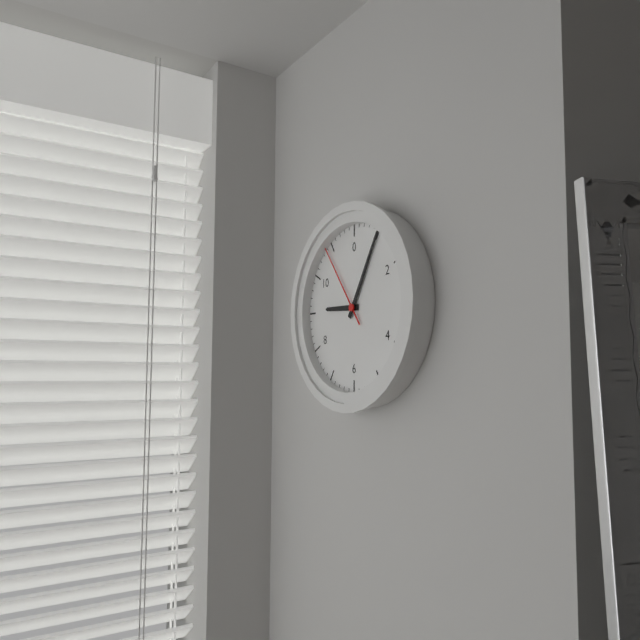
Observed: 9:05:54
